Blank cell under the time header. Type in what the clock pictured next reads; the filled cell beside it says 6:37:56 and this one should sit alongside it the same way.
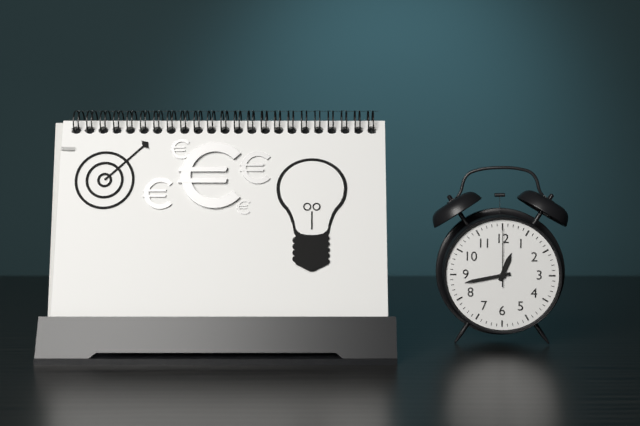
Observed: 12:43:00
